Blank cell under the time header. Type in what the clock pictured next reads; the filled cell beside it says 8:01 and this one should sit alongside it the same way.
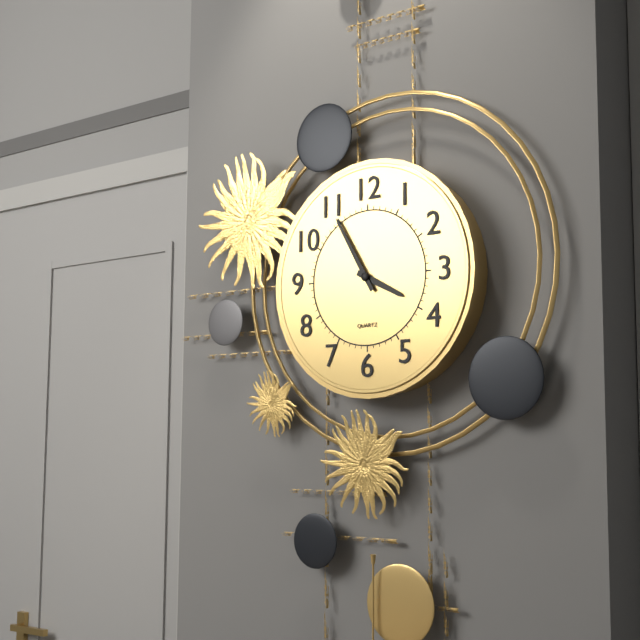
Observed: 3:55
